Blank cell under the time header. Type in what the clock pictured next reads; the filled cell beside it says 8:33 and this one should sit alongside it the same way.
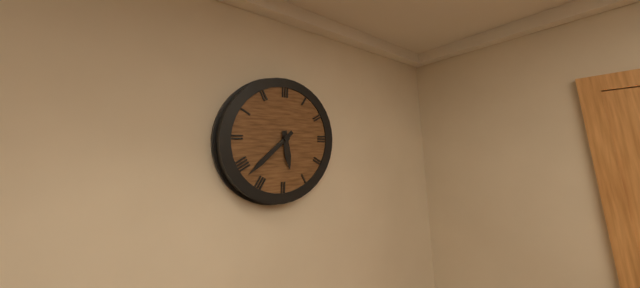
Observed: 5:38
